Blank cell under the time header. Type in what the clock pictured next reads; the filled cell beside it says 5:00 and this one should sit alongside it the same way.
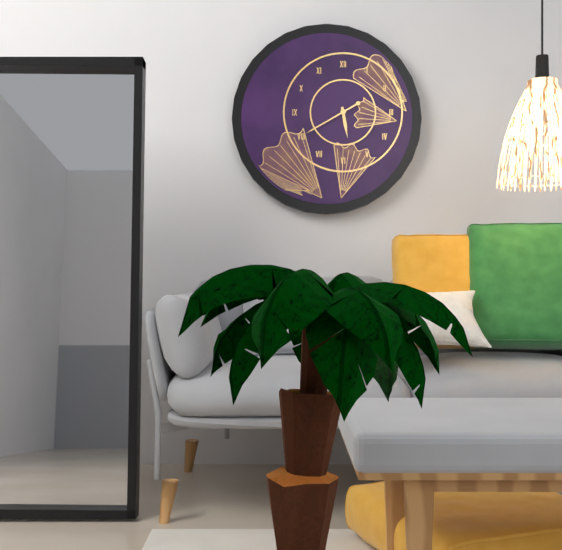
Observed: 5:40
